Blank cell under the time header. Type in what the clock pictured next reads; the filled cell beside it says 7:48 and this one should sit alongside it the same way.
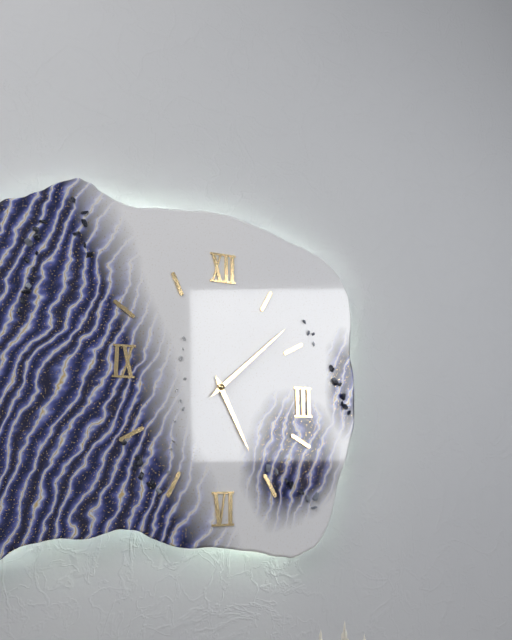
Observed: 5:08
